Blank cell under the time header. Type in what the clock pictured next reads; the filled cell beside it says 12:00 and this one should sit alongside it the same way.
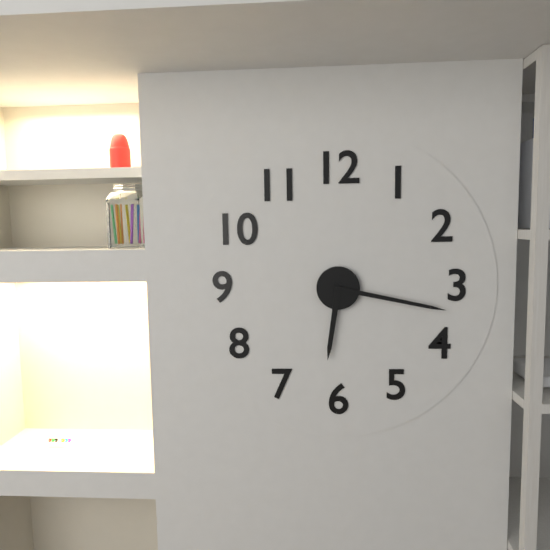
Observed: 6:17
